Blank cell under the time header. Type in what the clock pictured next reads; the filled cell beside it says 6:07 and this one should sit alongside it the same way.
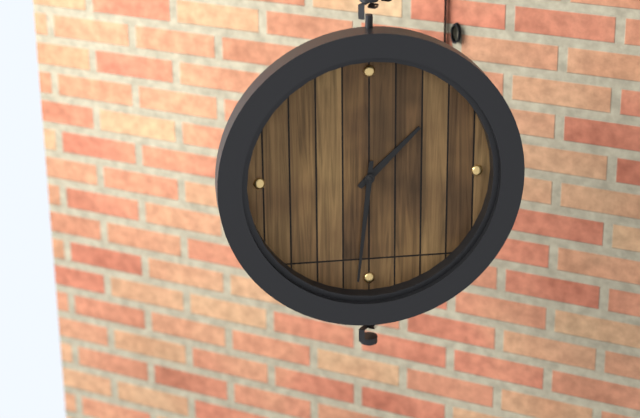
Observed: 1:31
